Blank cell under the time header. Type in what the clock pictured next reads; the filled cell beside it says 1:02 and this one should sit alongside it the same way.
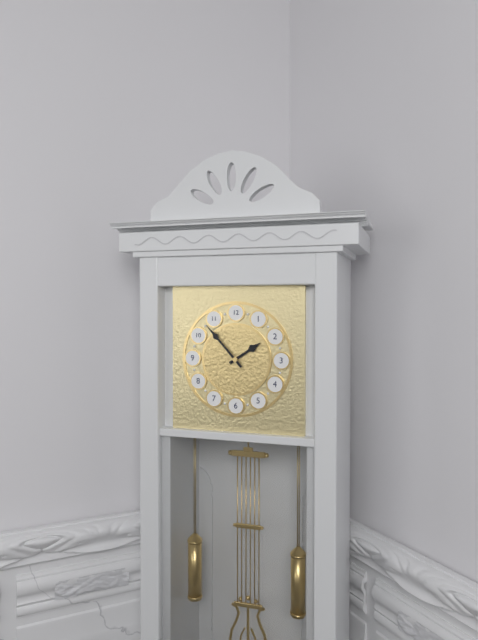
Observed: 1:53
